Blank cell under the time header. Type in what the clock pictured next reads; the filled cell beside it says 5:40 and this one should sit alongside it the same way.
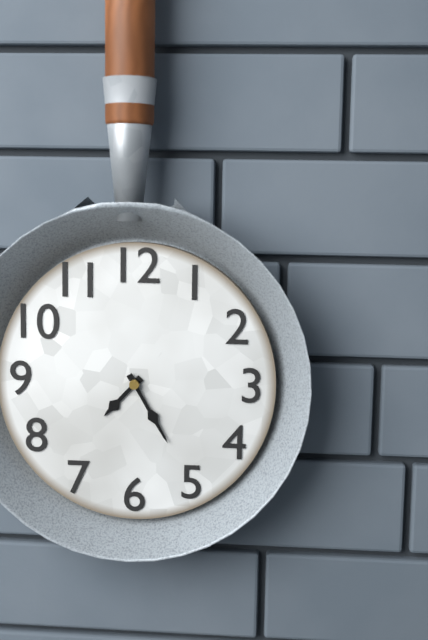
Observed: 7:25
